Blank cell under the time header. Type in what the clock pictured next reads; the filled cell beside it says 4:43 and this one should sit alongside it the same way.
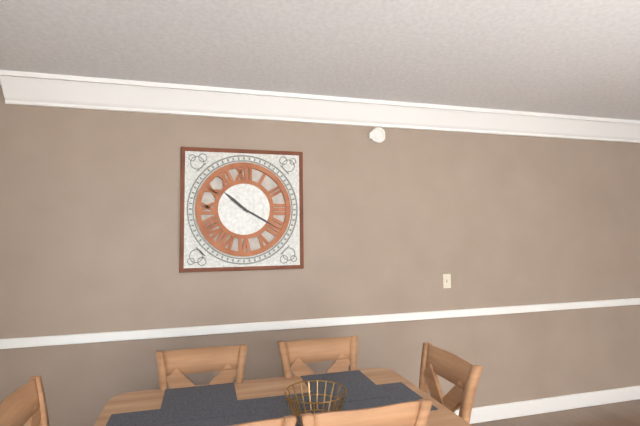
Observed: 10:20
